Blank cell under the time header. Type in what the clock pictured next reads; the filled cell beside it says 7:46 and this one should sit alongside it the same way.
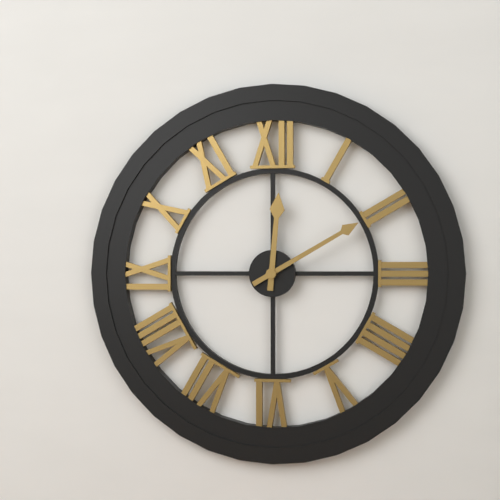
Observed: 12:10
